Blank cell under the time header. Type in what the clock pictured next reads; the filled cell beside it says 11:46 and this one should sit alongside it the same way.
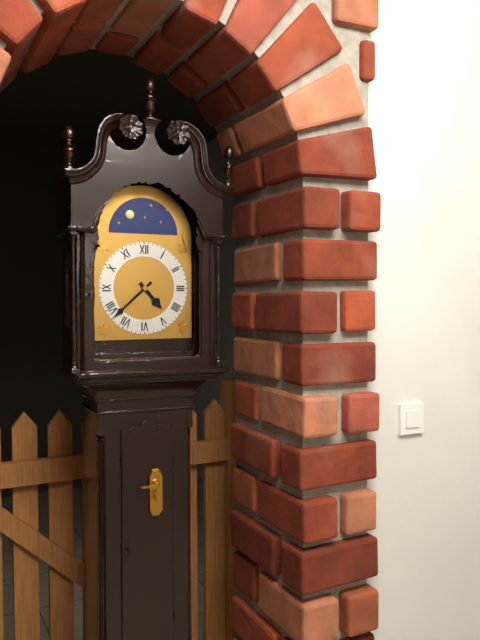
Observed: 4:38
